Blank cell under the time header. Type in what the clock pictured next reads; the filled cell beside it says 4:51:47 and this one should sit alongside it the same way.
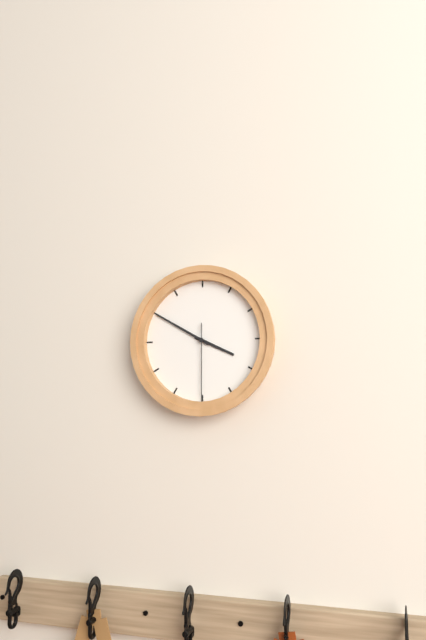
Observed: 3:50:30
